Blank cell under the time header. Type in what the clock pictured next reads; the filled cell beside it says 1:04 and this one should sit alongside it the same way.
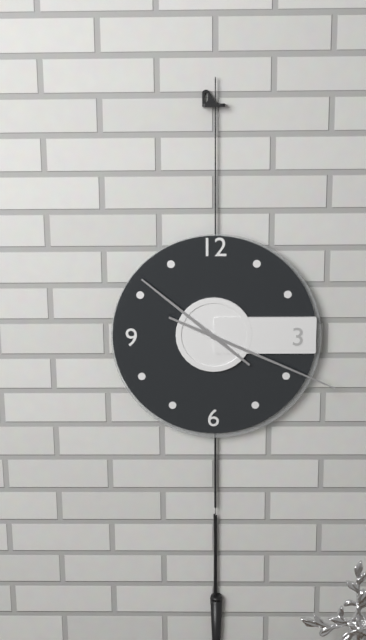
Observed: 10:19
